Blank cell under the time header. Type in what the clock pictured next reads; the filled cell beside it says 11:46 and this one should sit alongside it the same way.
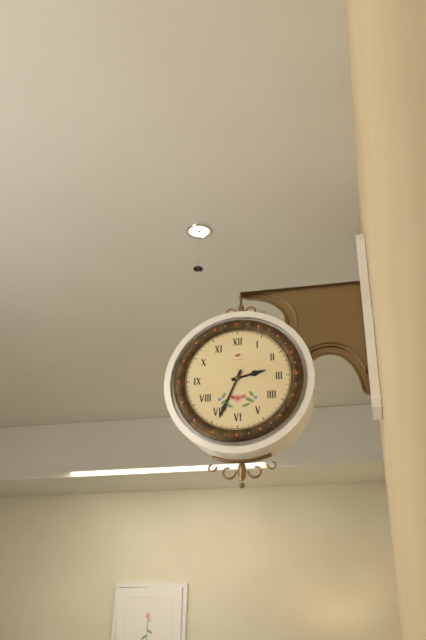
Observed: 2:34
